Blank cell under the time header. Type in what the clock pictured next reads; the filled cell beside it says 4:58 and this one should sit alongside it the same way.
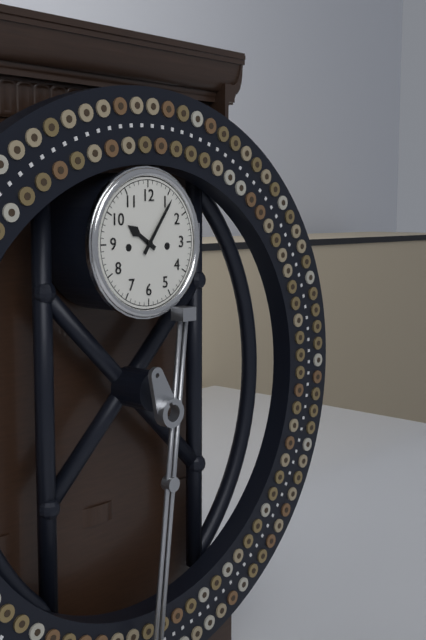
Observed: 10:06
